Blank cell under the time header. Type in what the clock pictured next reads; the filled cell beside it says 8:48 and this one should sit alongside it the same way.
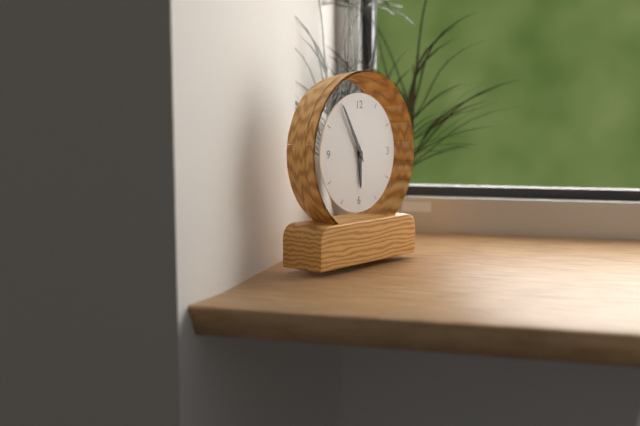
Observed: 5:55
